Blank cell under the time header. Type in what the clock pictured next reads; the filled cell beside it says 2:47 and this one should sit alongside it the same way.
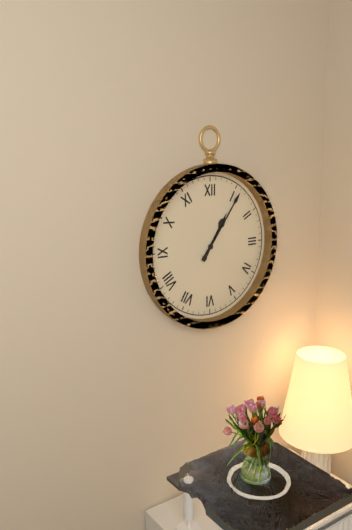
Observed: 1:06
